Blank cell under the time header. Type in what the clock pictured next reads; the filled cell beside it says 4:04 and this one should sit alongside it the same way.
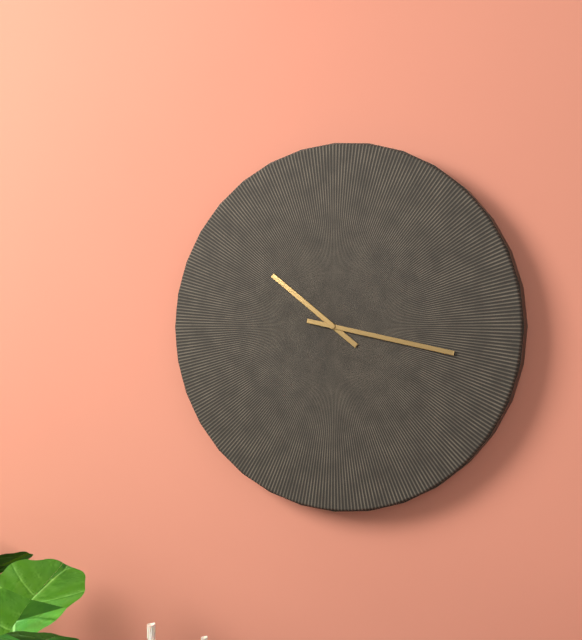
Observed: 10:17
